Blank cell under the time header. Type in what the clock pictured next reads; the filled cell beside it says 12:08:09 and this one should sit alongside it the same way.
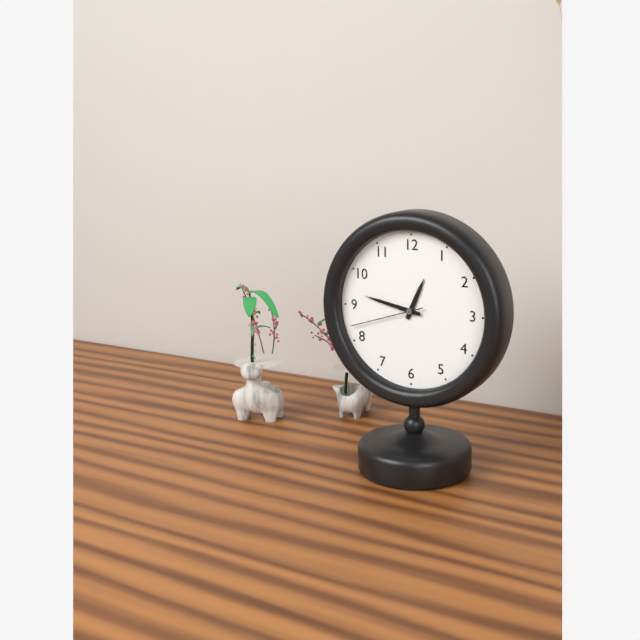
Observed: 12:47:42
